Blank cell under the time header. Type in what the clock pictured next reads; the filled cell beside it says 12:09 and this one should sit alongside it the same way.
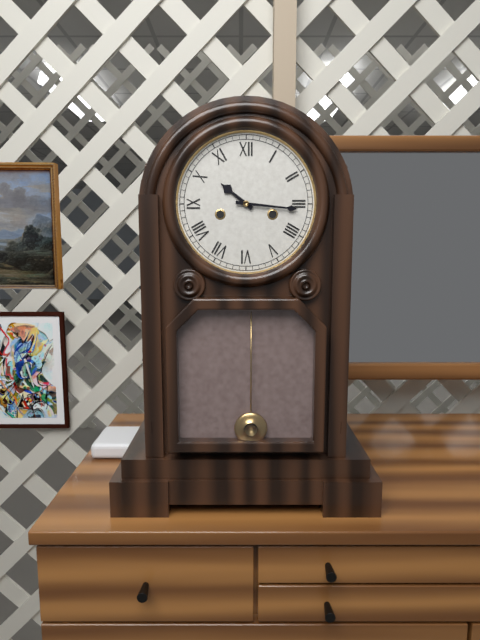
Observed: 10:16
